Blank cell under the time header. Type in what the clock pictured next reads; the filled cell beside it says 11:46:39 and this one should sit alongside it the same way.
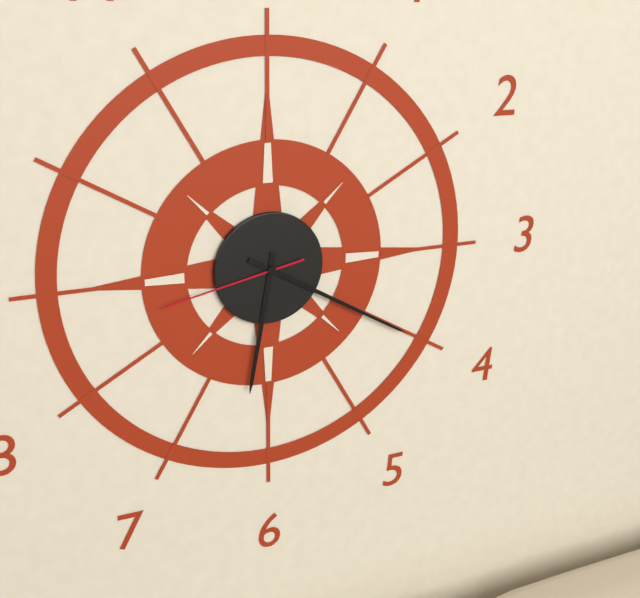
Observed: 6:20:43
